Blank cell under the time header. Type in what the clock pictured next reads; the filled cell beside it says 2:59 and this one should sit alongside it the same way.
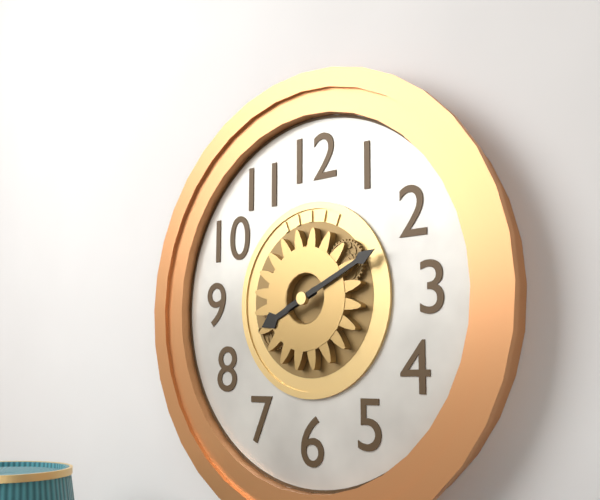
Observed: 8:11
